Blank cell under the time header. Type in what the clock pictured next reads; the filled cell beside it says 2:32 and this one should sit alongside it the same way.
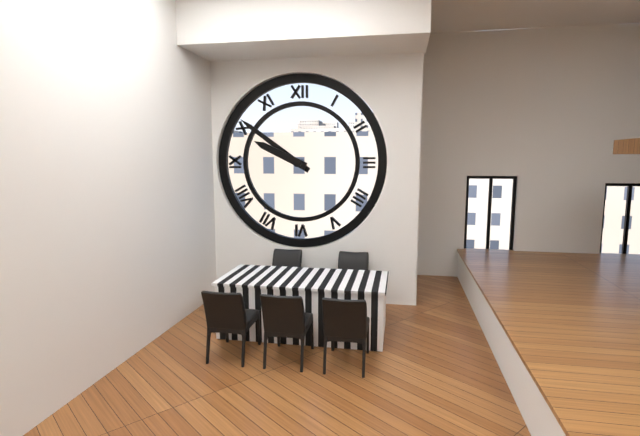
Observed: 9:51
